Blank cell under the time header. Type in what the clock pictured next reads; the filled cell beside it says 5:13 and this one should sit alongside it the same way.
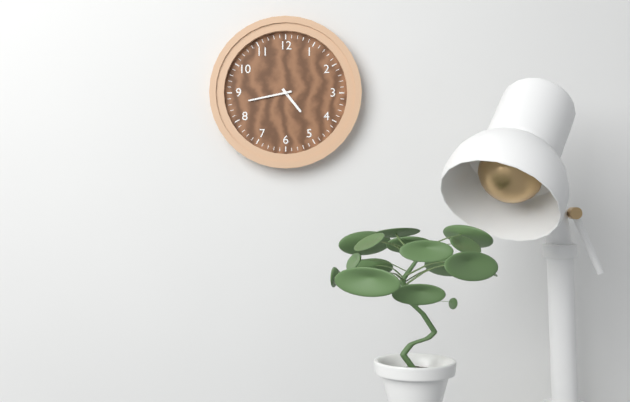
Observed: 4:43
